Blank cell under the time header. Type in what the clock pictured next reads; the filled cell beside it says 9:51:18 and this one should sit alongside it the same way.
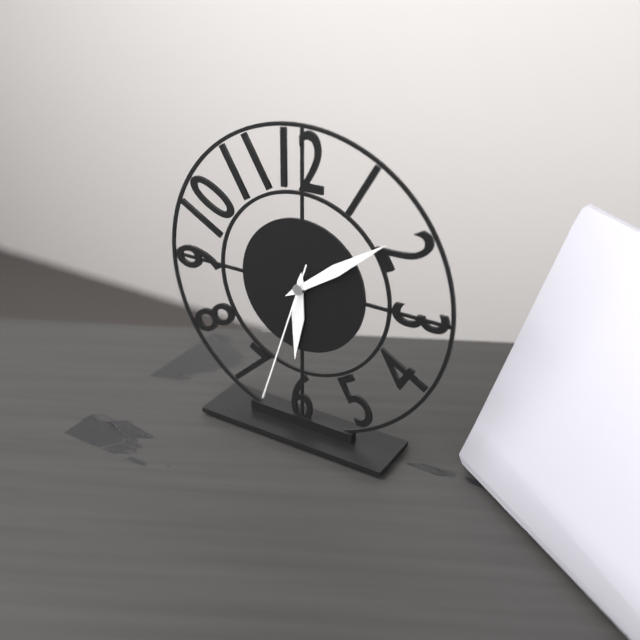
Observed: 6:09:33
